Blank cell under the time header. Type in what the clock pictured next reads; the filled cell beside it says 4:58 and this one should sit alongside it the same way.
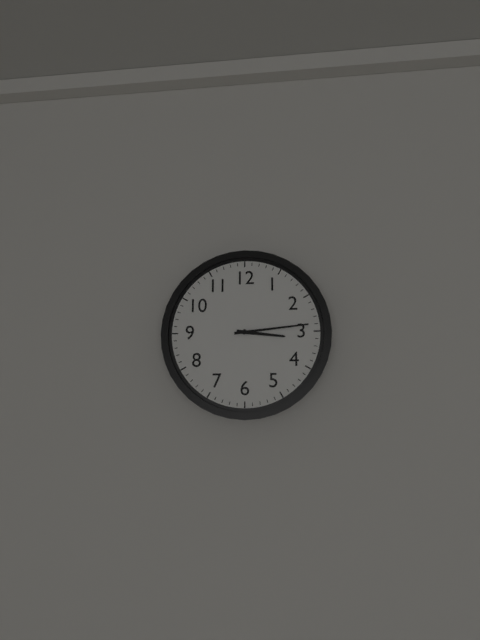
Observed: 3:14
